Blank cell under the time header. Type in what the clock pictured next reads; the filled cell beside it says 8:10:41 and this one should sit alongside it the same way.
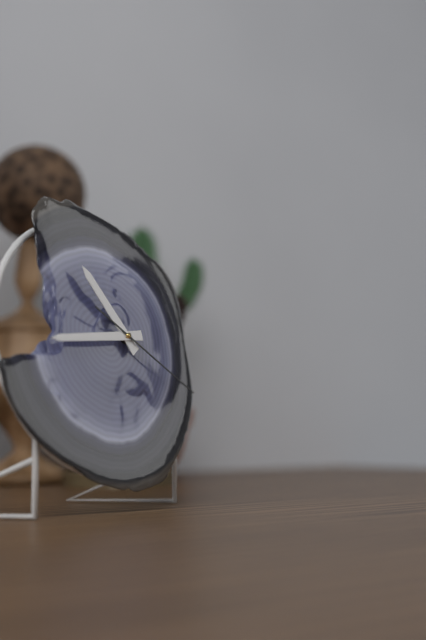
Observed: 10:44:20
